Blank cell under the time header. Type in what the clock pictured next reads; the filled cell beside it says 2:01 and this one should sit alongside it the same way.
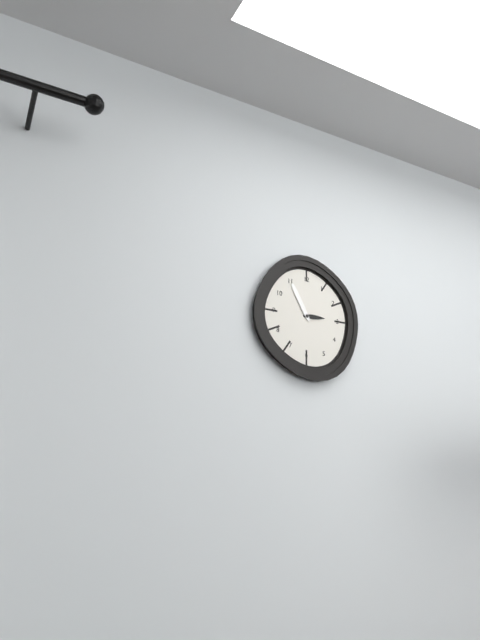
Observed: 2:55
